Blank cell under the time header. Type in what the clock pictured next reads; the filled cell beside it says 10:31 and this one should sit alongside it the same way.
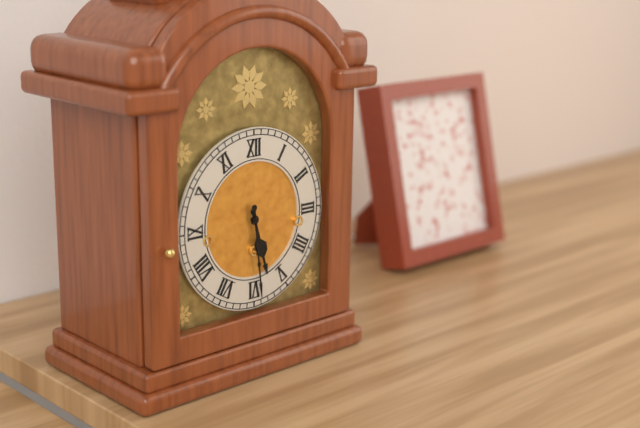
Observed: 5:29
